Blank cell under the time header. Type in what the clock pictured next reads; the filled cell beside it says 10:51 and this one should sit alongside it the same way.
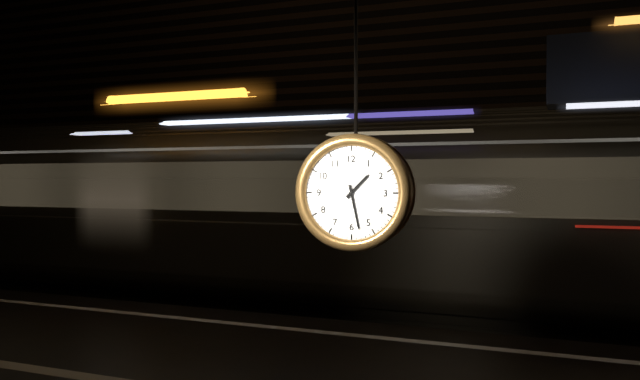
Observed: 1:28
